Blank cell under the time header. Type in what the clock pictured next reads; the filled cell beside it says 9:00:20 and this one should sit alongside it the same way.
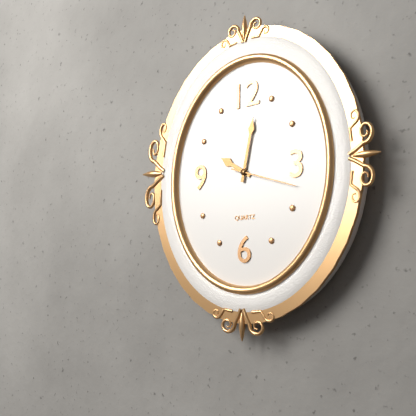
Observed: 10:02:18
